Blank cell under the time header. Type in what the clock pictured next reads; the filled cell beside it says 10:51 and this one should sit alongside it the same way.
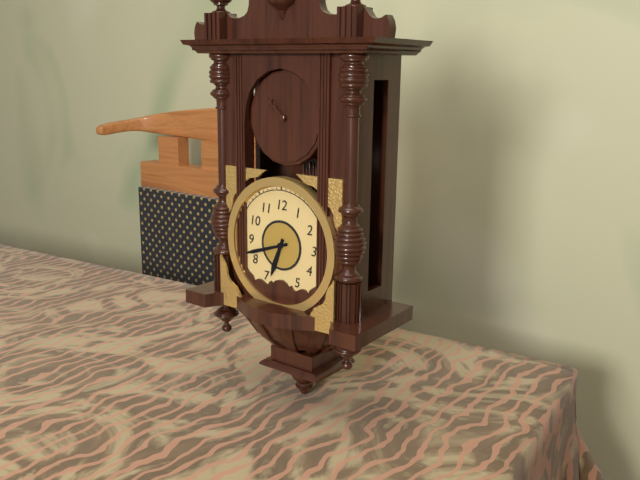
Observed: 6:42
